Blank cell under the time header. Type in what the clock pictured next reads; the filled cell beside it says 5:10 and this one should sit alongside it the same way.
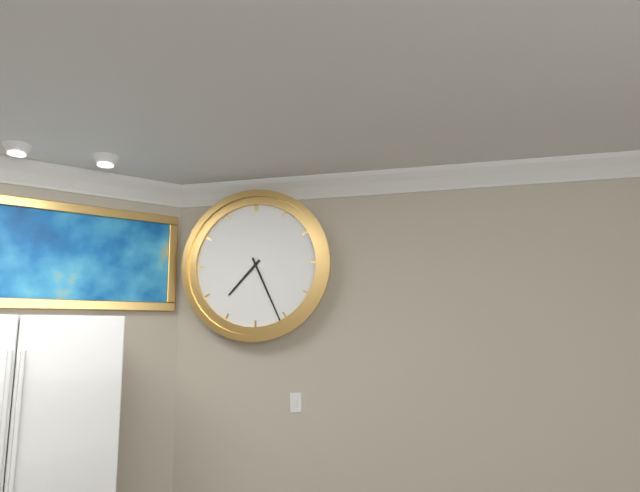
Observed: 7:26
